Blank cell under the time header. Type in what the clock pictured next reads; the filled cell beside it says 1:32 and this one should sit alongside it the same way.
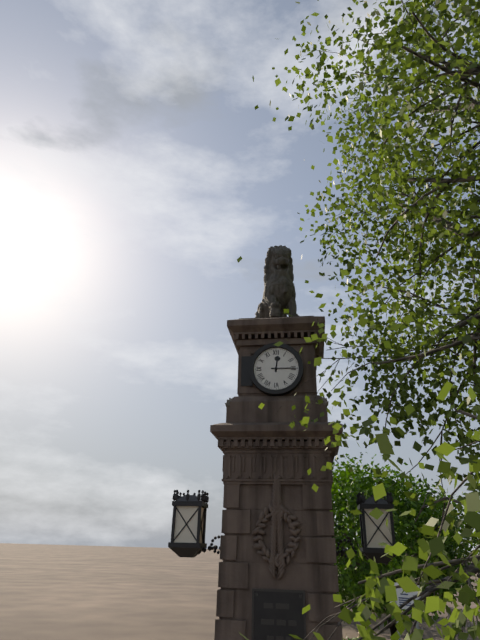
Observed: 12:15
